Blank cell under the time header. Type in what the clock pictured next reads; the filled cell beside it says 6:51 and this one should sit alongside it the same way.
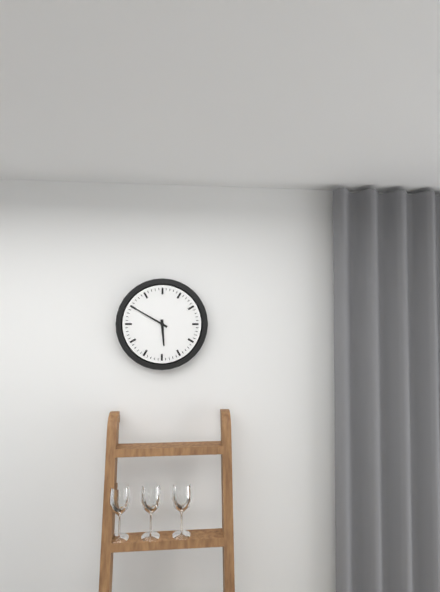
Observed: 5:50
